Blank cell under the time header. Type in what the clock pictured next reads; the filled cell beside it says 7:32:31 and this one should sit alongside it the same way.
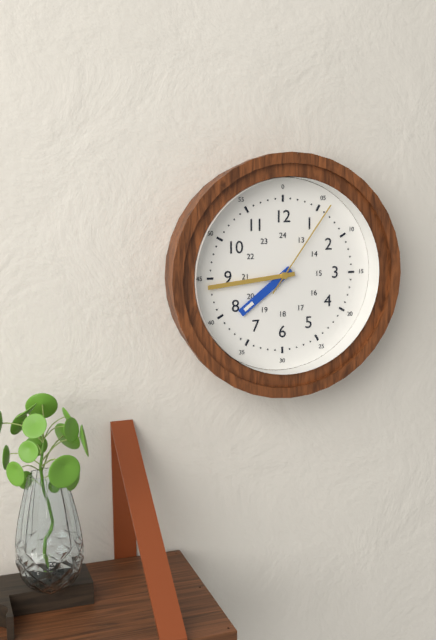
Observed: 7:44:06
